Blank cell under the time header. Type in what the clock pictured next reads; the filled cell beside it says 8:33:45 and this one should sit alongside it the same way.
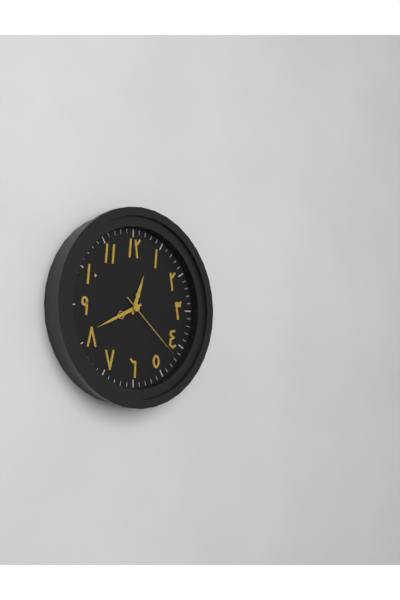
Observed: 12:41:22
